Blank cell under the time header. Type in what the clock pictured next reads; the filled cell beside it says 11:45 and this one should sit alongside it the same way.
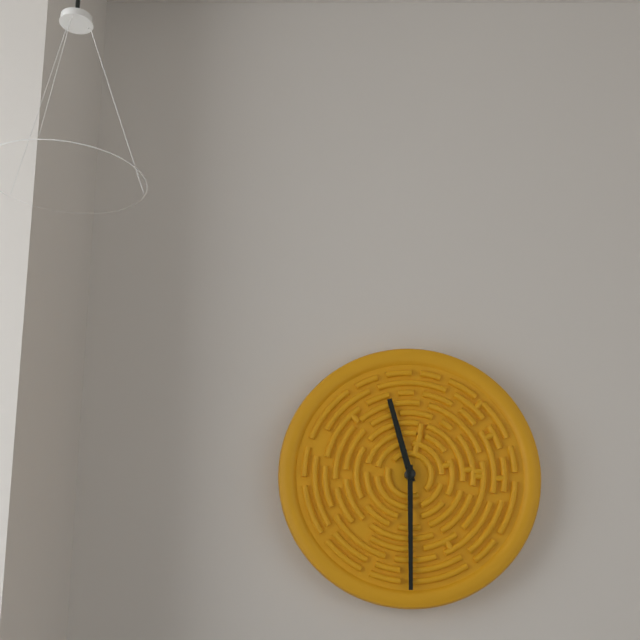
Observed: 11:30
